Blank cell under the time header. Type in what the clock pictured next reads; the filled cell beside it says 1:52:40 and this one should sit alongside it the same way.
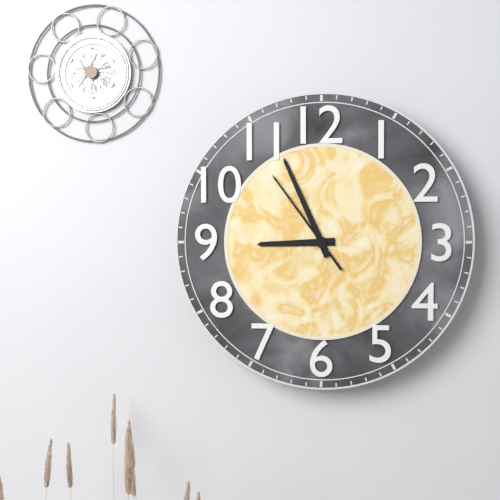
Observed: 8:56:54
